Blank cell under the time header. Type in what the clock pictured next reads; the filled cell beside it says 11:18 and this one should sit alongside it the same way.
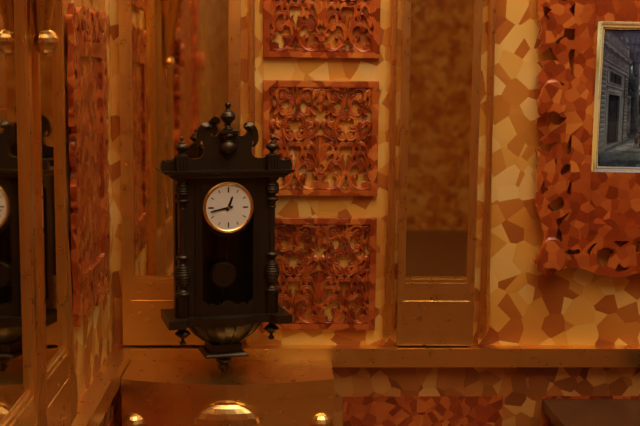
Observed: 12:43
